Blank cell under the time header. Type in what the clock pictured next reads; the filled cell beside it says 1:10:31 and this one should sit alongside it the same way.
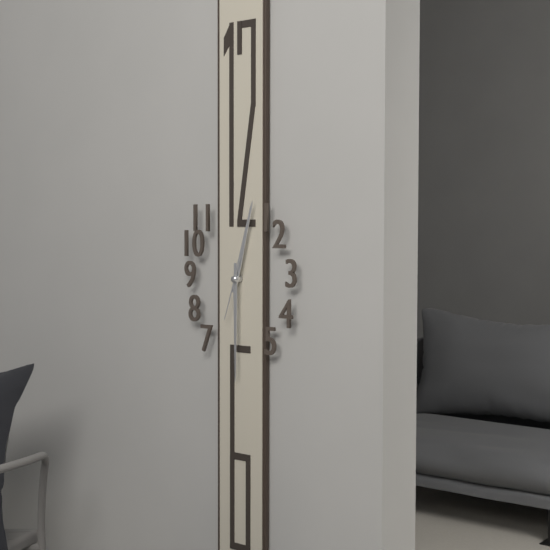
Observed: 12:30:33
